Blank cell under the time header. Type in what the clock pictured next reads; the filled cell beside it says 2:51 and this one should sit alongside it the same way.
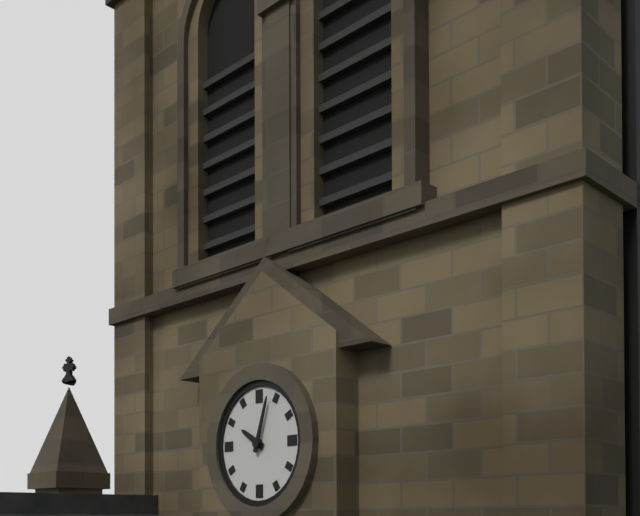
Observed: 10:03
